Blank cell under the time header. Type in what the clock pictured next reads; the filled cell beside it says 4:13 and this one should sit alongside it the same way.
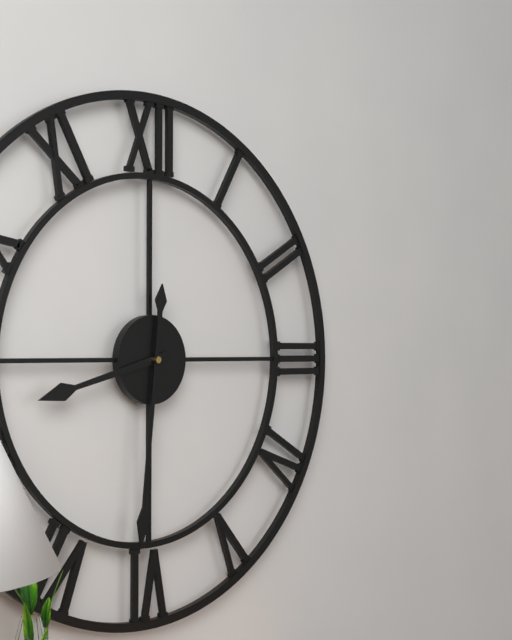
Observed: 8:31
